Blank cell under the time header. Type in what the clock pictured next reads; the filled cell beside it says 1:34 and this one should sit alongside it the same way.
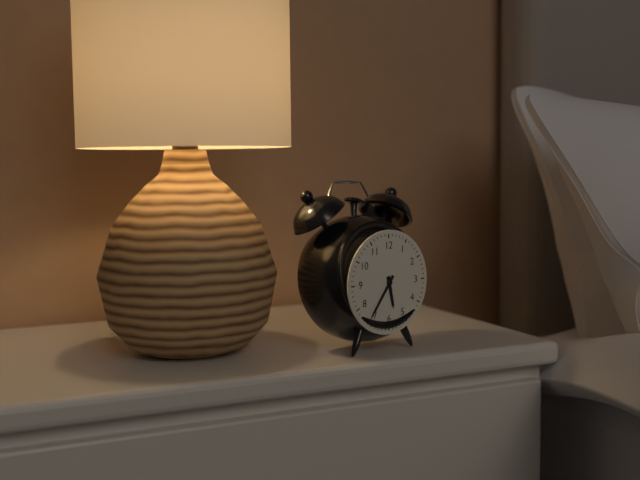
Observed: 5:36
